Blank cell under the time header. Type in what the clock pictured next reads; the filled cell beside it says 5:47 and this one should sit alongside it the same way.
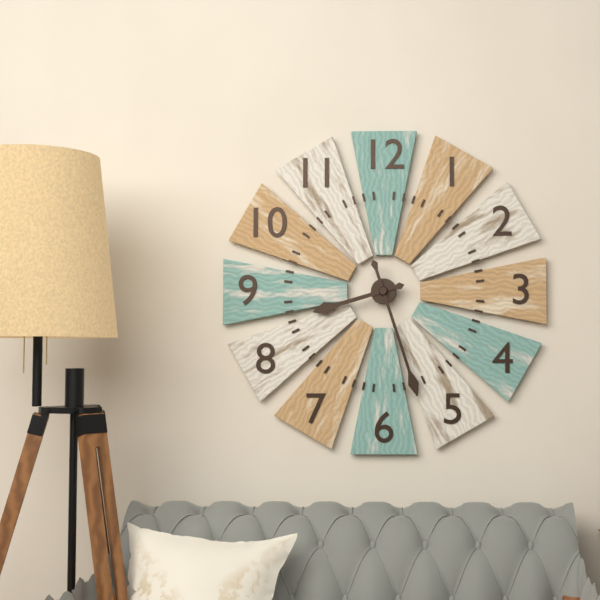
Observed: 8:27
